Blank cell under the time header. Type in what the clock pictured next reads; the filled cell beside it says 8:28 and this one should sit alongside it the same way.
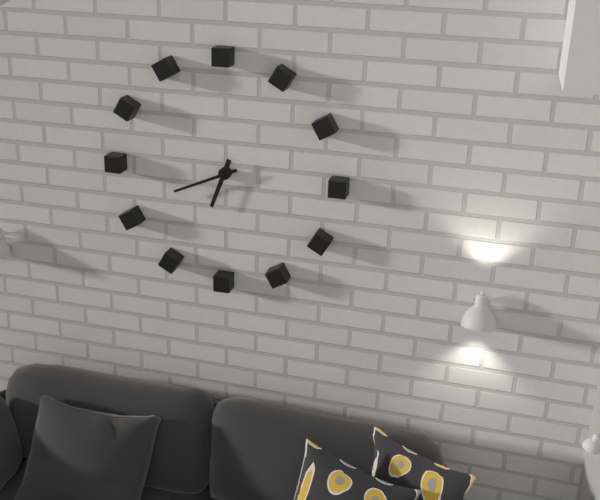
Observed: 6:41
